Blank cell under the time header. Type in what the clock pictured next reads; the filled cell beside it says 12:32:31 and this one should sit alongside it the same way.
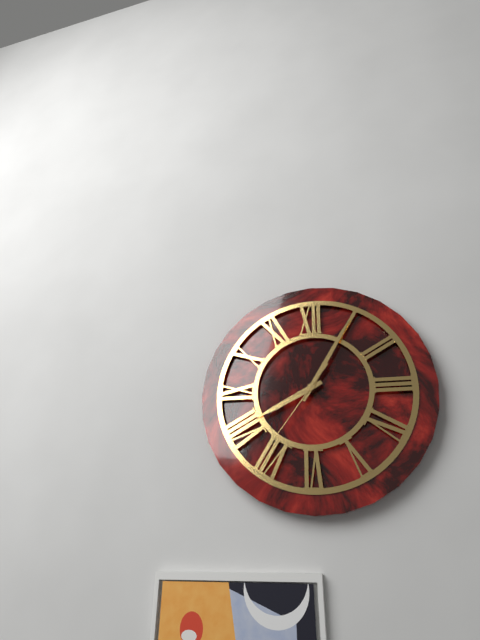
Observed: 8:05:36
